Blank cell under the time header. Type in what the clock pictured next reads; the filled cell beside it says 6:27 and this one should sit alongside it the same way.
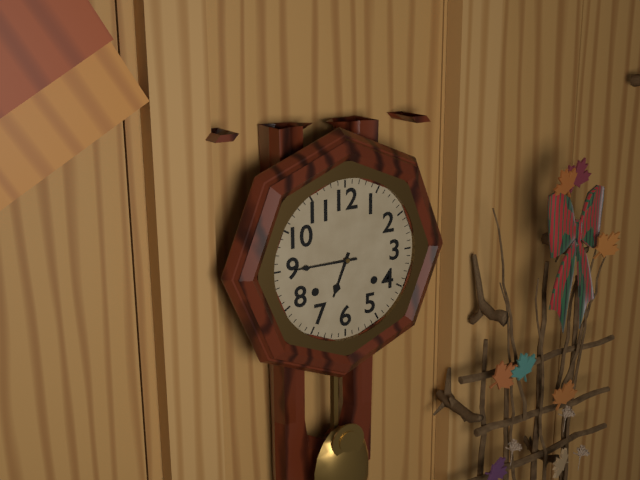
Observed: 6:45
